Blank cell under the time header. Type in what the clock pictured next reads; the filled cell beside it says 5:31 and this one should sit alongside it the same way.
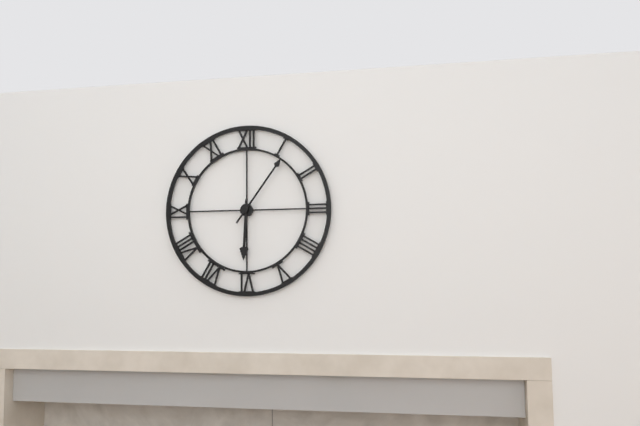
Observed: 6:06
